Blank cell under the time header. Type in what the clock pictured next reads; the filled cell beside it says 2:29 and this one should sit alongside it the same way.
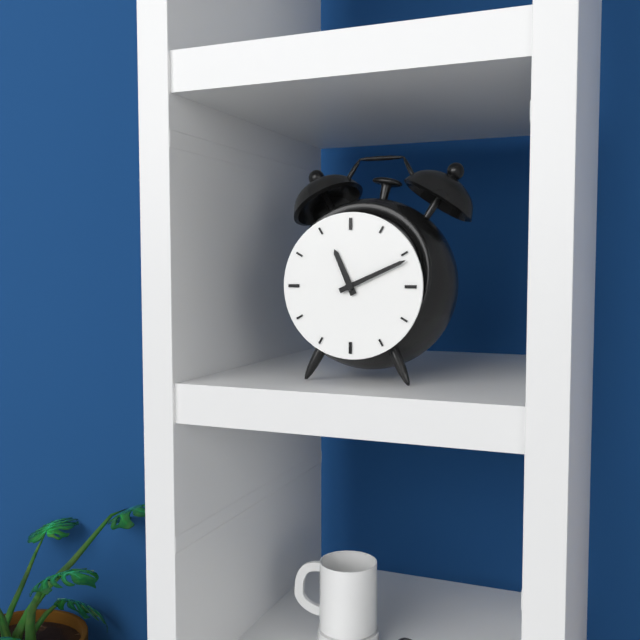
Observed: 11:11
